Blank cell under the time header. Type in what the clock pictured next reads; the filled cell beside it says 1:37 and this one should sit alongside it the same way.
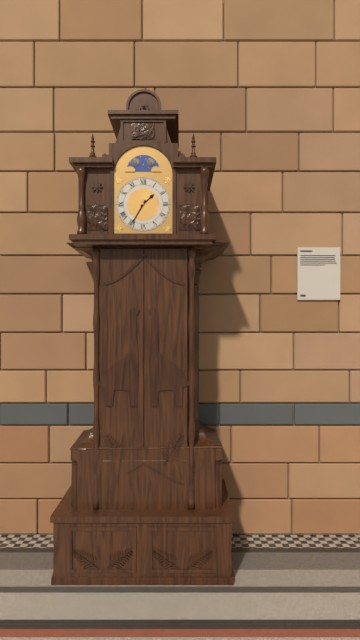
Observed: 1:35
